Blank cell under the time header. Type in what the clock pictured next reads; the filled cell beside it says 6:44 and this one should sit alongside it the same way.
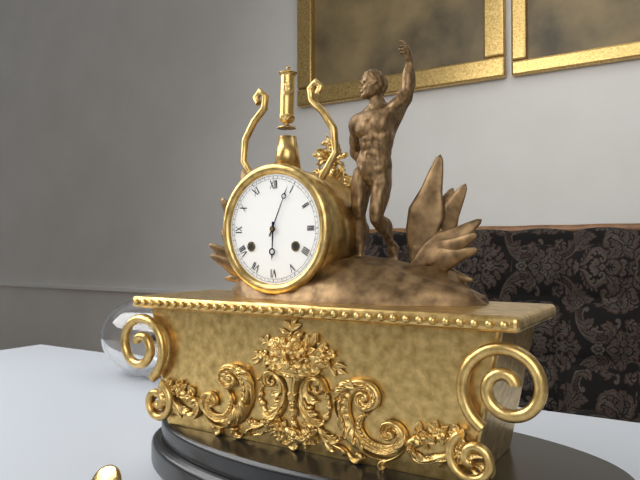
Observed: 6:04
